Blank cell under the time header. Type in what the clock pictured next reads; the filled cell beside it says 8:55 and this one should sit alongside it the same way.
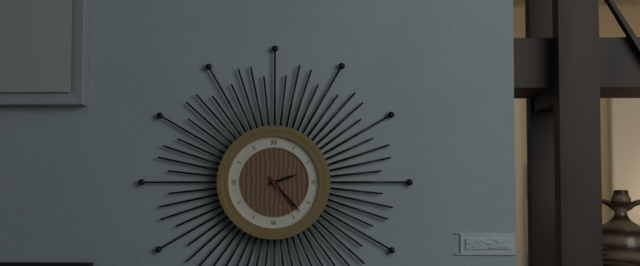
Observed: 2:23
